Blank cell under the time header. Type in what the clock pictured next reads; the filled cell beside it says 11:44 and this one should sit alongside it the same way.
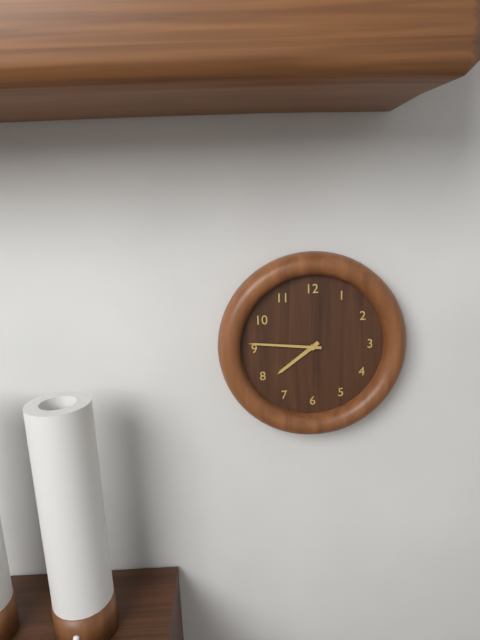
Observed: 7:46
